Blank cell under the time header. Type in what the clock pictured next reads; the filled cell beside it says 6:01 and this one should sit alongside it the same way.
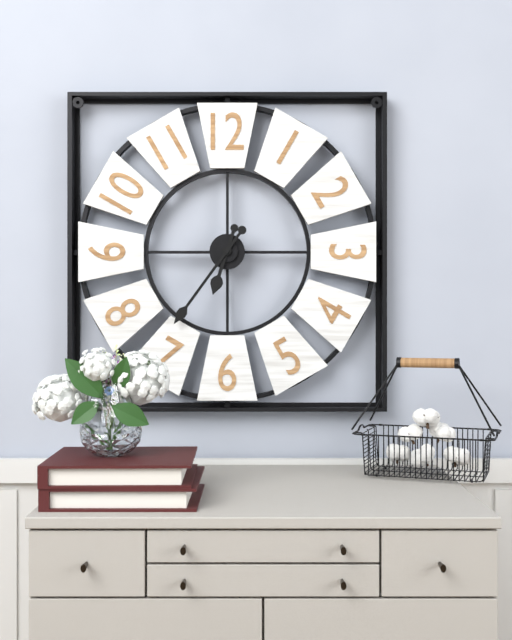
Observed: 6:36
